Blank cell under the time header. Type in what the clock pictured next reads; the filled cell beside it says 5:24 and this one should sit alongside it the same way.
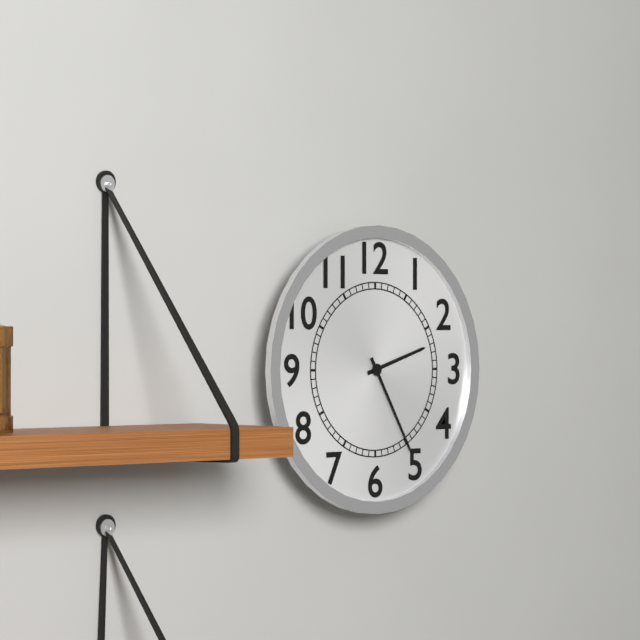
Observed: 2:25
